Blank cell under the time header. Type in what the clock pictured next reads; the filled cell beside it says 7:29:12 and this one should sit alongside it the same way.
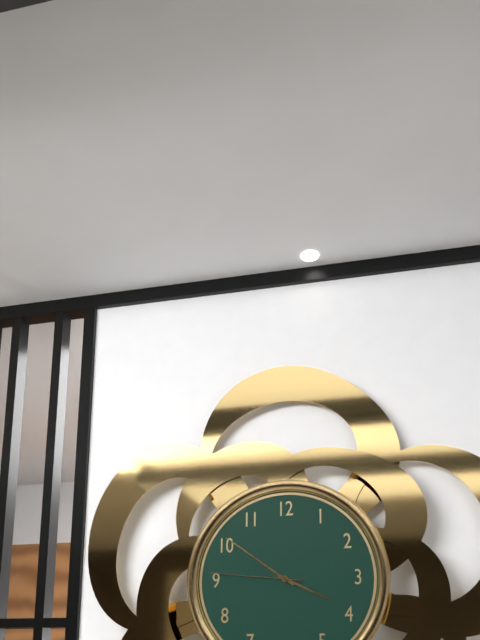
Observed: 3:51:46
